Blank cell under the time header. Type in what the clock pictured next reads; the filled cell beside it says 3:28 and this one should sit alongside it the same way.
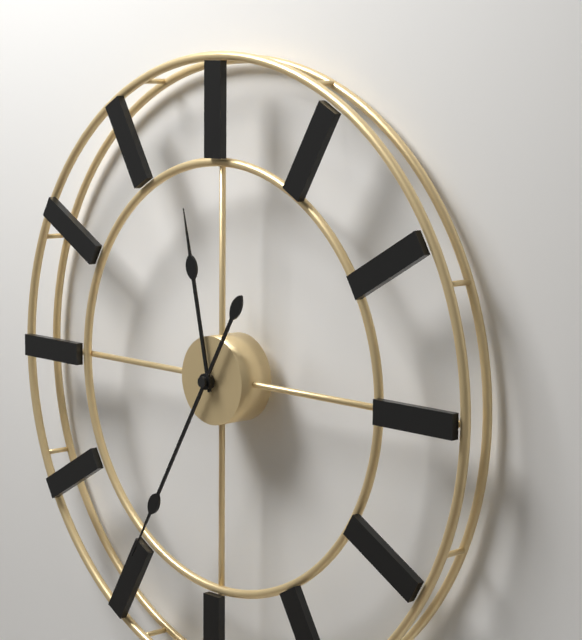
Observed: 11:35
